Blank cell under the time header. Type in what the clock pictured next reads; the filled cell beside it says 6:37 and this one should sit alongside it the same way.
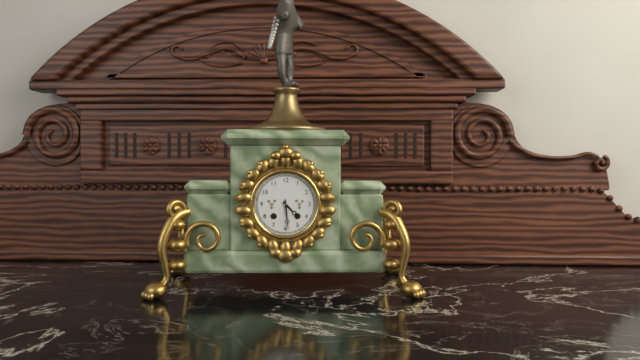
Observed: 4:29
